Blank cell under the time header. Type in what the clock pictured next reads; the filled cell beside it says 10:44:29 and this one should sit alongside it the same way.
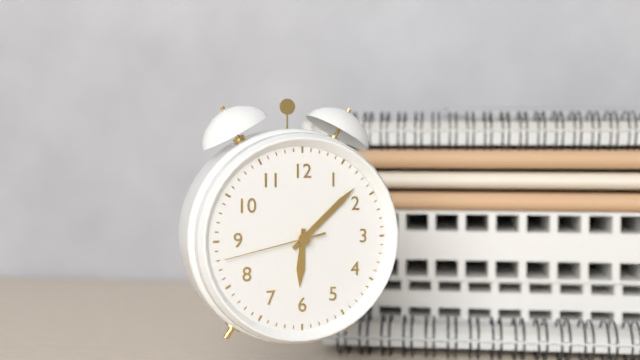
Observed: 6:08:43
